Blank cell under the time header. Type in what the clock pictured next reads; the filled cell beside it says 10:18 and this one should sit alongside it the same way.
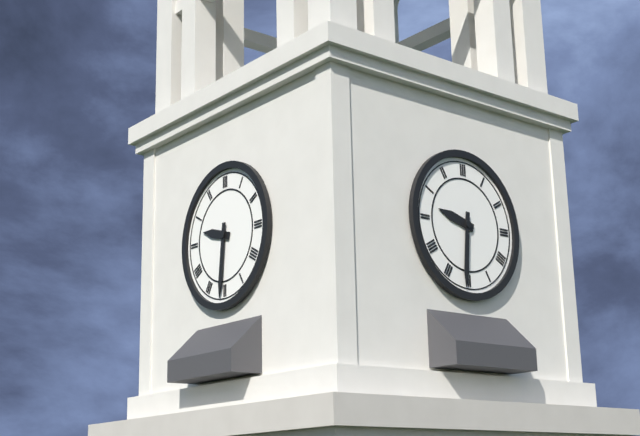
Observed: 9:31
